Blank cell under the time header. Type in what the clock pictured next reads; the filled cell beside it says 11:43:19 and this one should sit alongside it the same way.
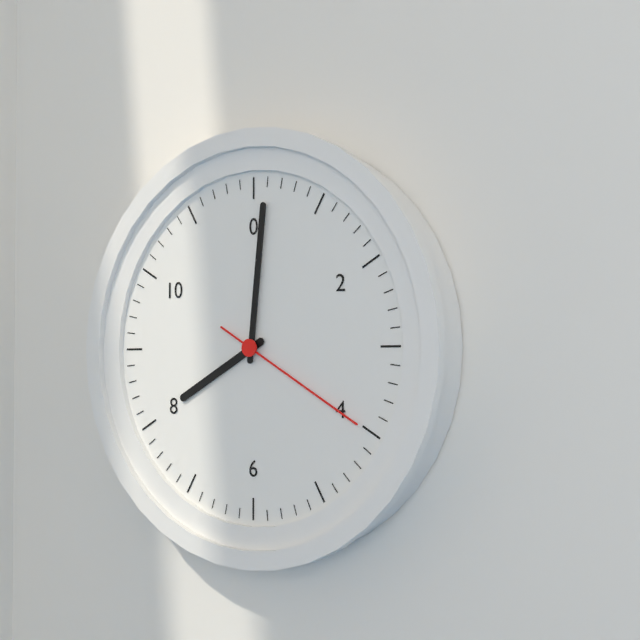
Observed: 8:01:20
